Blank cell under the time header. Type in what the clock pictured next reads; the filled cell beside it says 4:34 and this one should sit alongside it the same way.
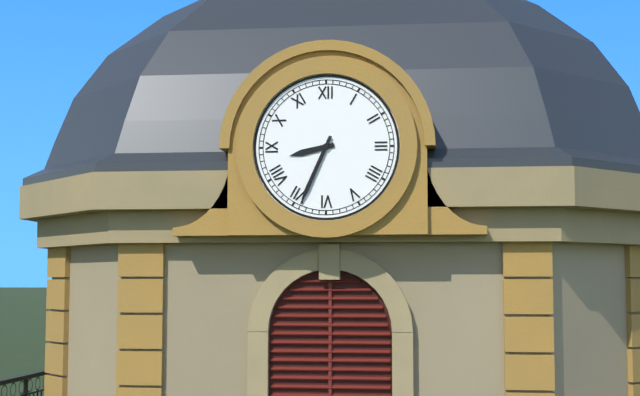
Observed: 8:34
